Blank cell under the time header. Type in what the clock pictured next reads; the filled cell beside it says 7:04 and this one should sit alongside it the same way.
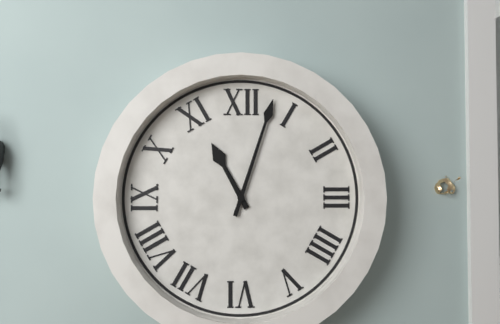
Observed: 11:03
